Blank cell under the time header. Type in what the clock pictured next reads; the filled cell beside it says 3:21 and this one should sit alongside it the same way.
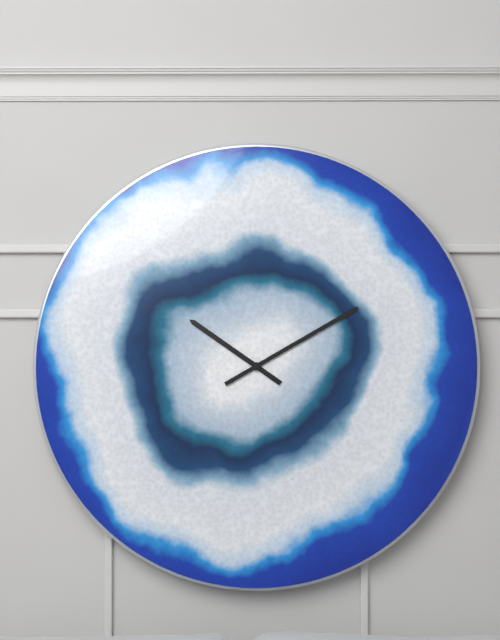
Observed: 10:10
